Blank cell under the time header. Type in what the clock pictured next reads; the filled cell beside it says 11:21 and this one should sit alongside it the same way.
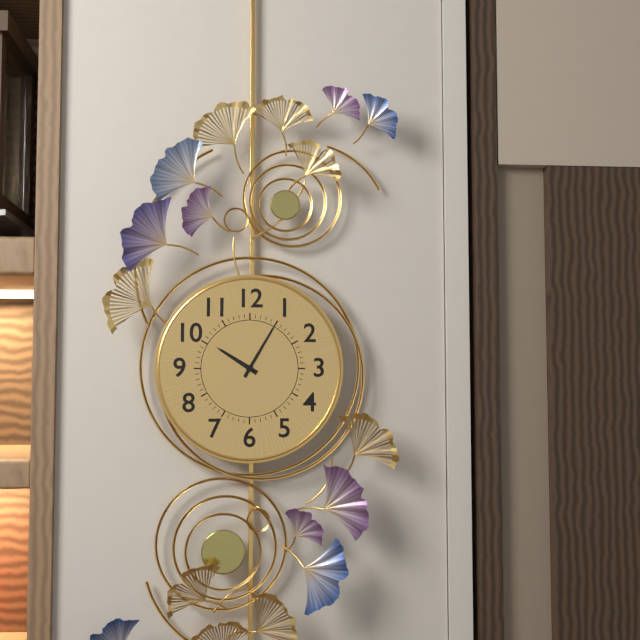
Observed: 10:05
